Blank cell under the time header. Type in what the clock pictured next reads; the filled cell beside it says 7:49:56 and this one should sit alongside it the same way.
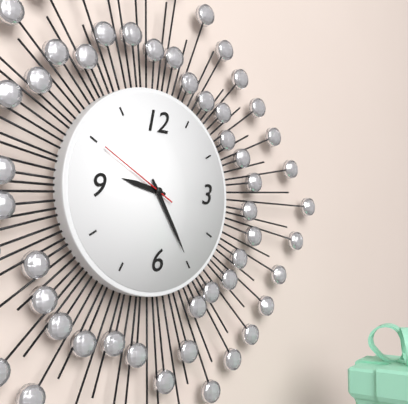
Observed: 9:25:50
